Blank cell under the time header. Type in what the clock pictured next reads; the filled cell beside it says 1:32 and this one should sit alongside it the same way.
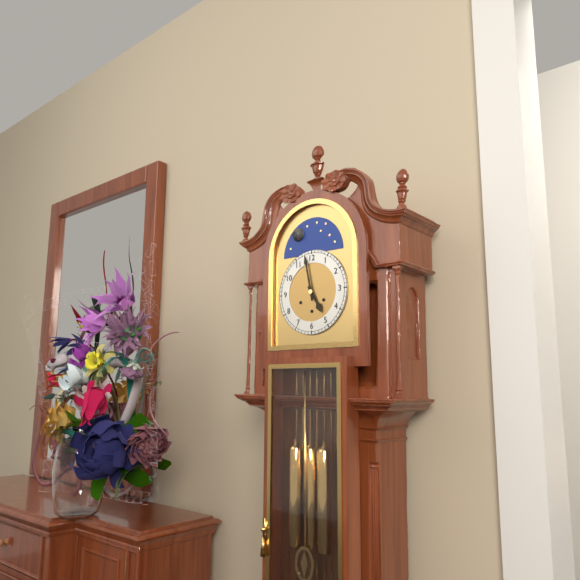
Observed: 4:58
